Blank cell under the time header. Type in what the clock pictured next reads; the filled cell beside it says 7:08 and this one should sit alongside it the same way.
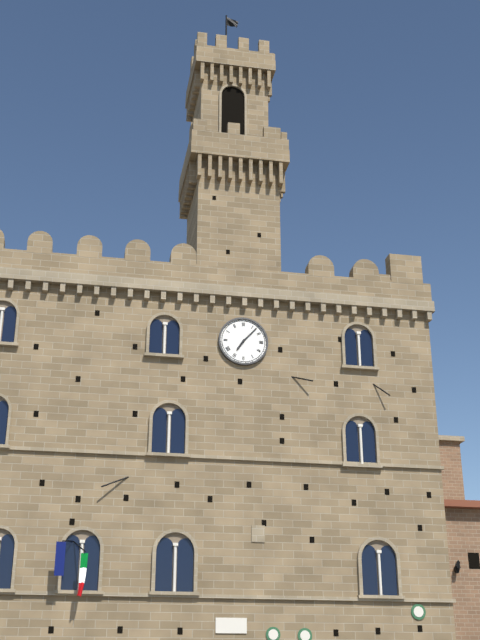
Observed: 7:07
